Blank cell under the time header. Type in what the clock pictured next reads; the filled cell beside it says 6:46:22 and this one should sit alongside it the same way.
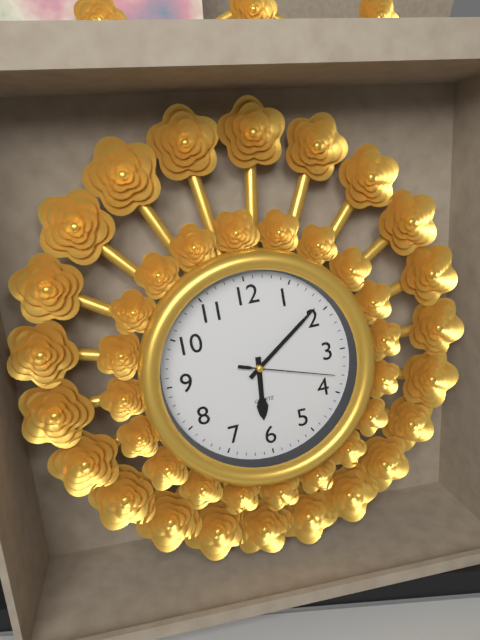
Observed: 6:09:18
